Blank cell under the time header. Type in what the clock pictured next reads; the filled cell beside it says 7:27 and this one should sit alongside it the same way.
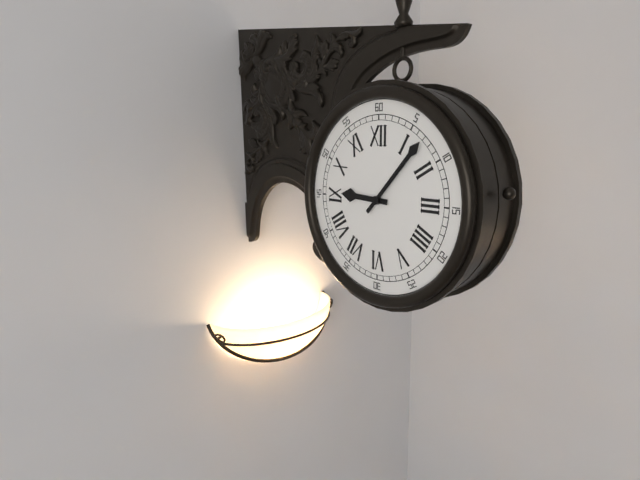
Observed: 9:07
